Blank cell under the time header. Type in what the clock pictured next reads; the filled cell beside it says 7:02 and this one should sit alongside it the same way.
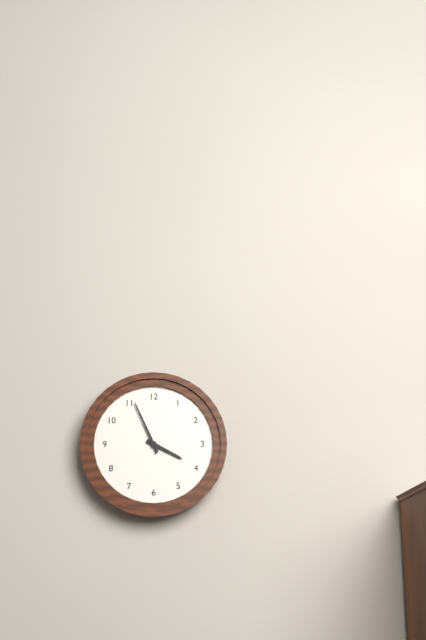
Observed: 3:56
